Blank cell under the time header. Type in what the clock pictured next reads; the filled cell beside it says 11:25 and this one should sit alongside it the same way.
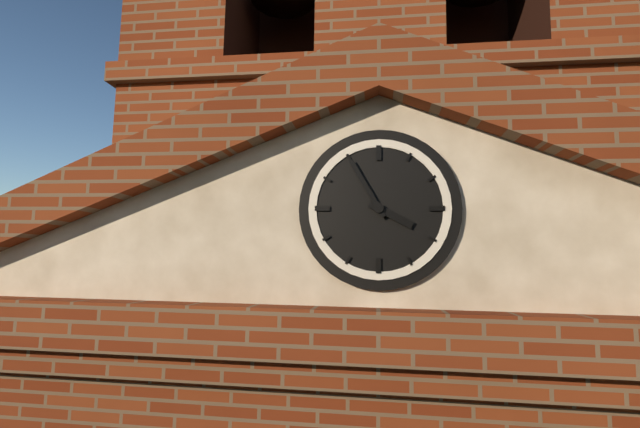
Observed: 3:55
